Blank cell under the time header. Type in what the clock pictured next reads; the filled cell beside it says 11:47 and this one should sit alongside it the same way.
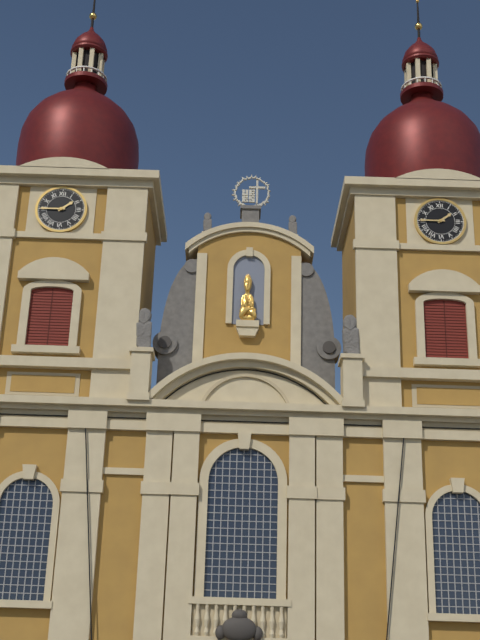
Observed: 1:45
